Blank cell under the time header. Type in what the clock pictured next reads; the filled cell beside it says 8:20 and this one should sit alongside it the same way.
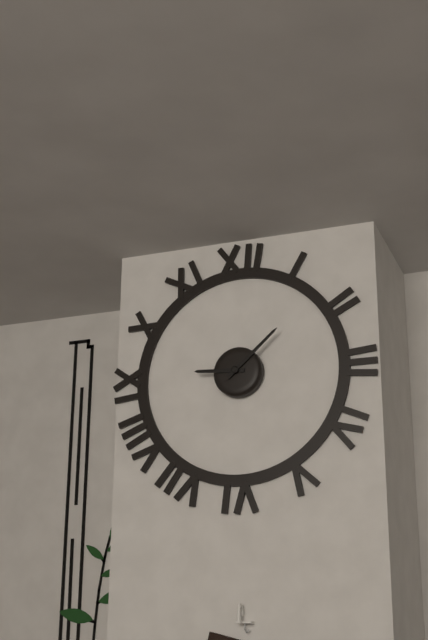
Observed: 9:08
